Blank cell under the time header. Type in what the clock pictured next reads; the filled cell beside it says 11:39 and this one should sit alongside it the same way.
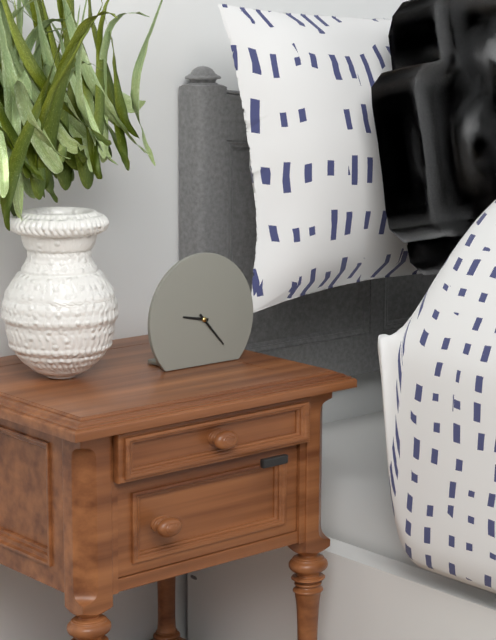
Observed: 9:23
